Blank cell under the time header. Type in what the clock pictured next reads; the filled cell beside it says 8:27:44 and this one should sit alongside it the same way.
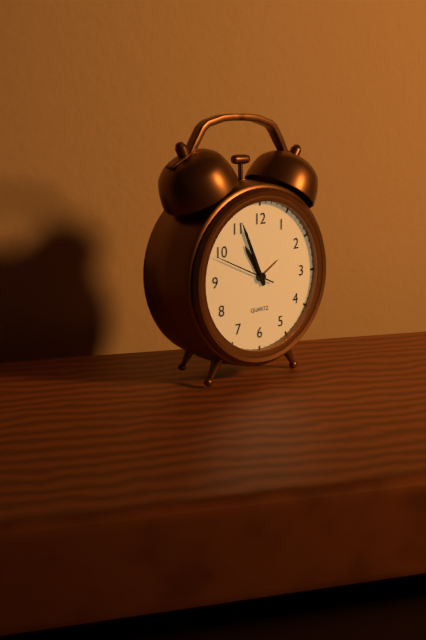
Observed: 10:56:49
